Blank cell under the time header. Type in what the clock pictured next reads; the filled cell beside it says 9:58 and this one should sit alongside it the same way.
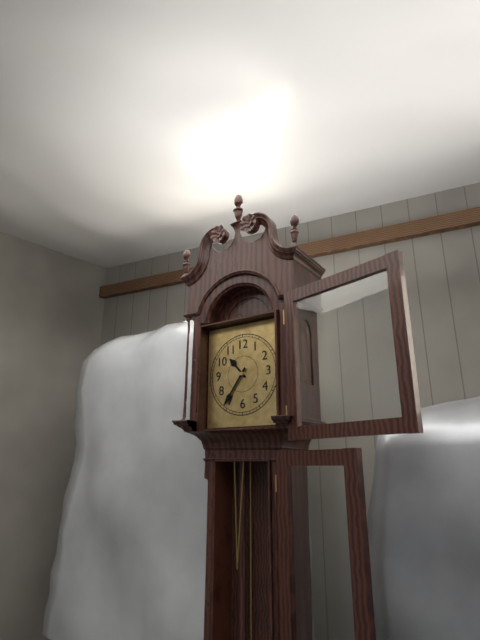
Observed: 10:36
